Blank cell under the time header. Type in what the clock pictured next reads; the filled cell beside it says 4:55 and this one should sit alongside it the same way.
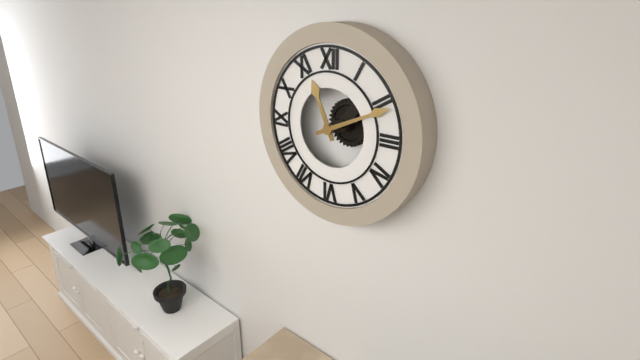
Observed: 11:11
